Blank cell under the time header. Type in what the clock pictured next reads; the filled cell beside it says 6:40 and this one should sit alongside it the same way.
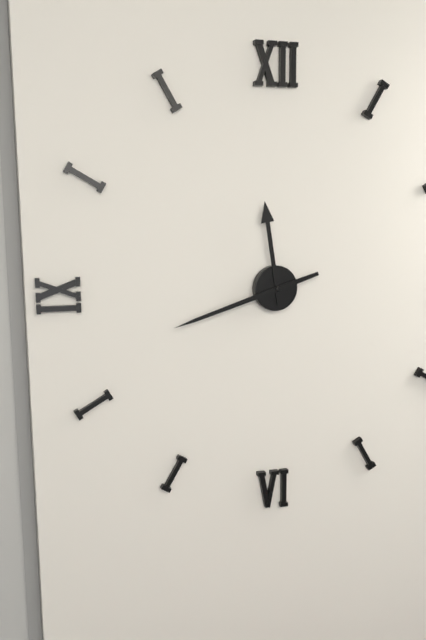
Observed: 11:42
